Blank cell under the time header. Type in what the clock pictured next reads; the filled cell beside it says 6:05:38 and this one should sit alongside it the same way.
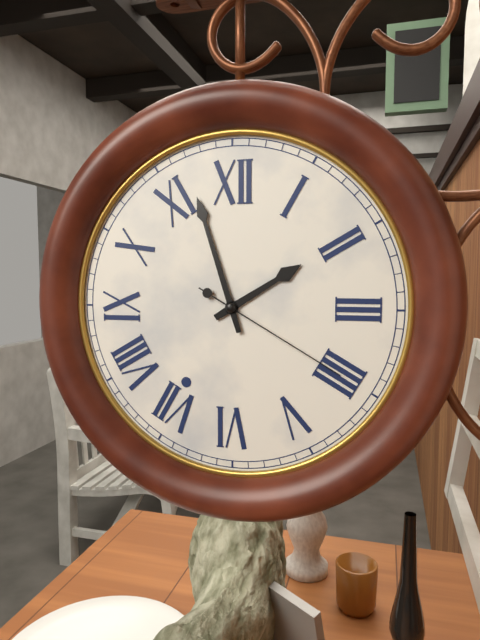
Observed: 1:57:20
